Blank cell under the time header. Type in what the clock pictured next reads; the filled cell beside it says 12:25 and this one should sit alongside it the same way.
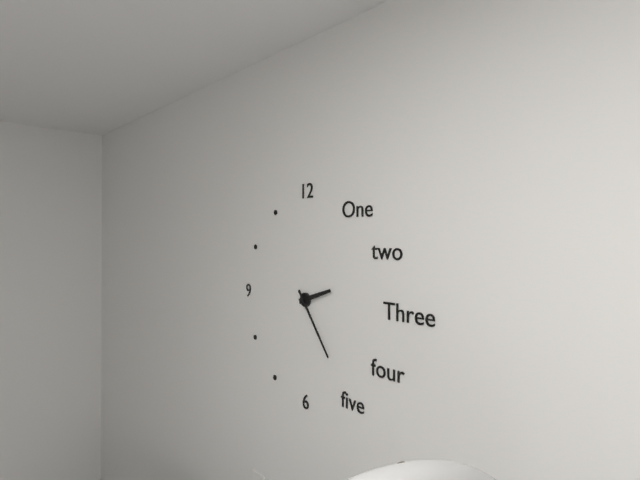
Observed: 2:24
